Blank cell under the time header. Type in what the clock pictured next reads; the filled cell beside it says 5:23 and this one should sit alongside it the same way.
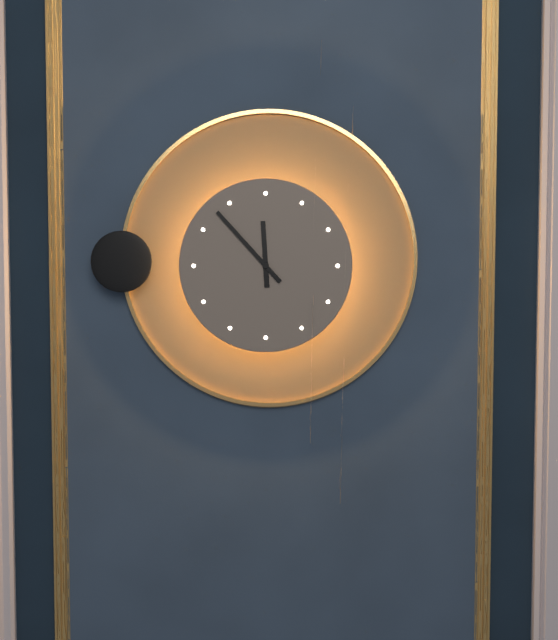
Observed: 11:53
